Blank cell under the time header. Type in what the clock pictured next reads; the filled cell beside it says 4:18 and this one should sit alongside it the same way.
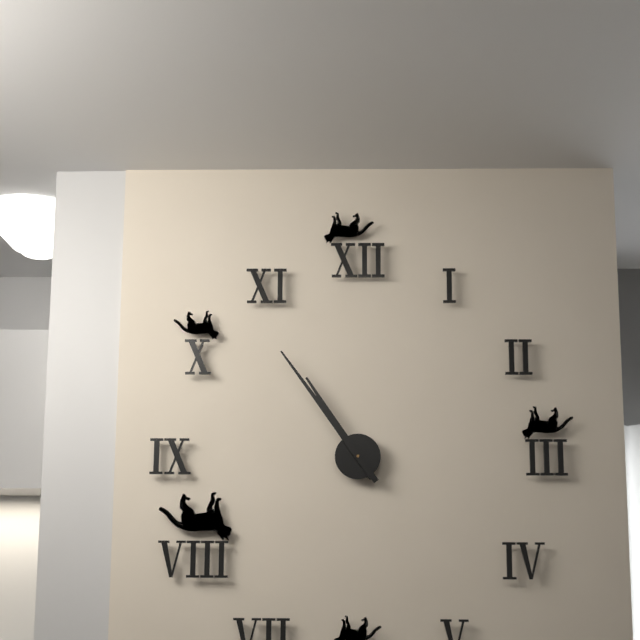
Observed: 10:54
